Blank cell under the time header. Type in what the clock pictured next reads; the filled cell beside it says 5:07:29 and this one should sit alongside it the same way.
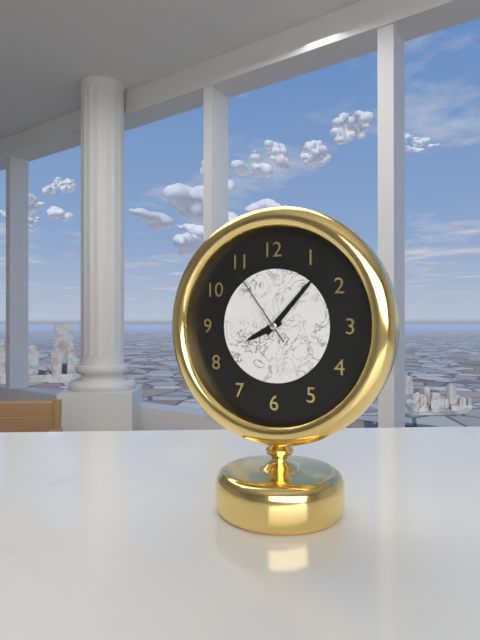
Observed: 8:07:54
